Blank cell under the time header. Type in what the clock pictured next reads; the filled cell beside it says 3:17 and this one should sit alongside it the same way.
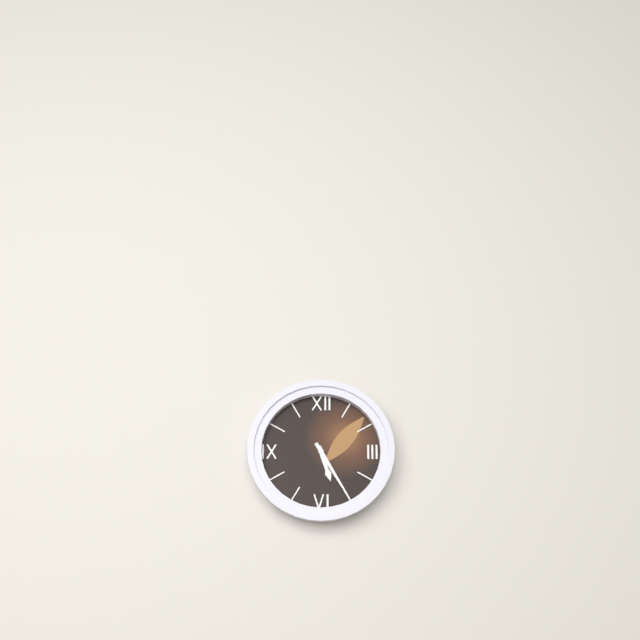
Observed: 5:25
